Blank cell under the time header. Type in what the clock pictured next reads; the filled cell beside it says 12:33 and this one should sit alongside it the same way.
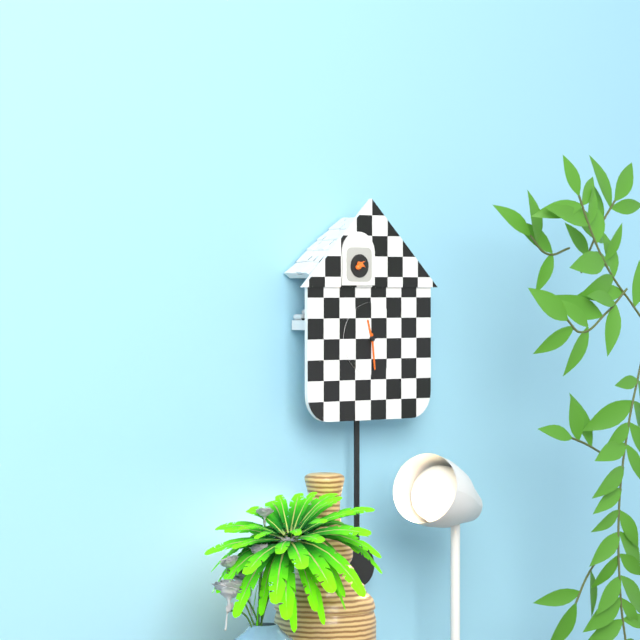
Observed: 11:29
